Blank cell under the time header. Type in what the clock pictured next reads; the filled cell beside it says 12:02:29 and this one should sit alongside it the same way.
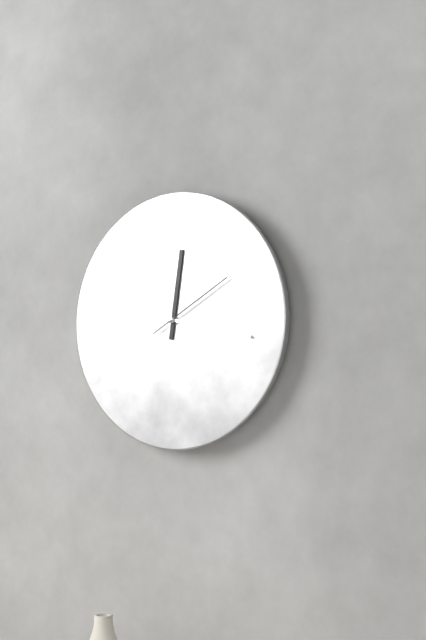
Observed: 12:17:10
